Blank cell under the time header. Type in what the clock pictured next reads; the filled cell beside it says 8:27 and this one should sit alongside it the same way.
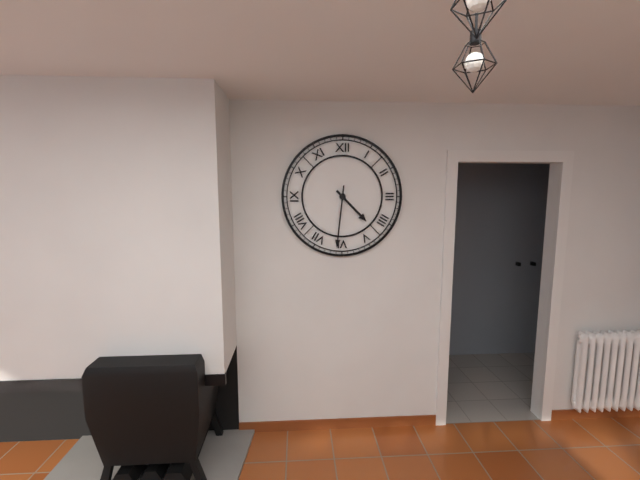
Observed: 4:31
